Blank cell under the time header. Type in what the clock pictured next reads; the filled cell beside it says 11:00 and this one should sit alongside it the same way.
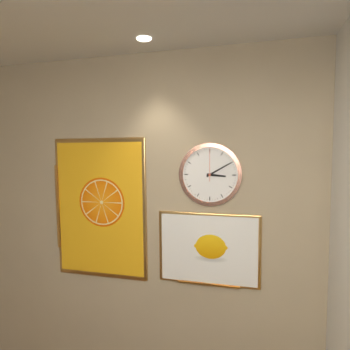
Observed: 3:10
